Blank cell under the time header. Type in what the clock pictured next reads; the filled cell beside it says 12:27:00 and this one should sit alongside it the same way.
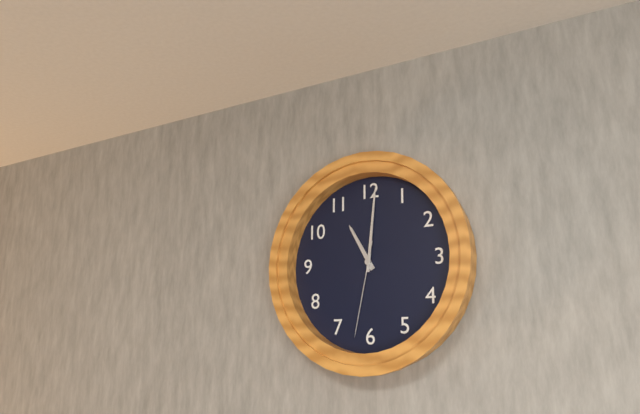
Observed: 11:01:32
